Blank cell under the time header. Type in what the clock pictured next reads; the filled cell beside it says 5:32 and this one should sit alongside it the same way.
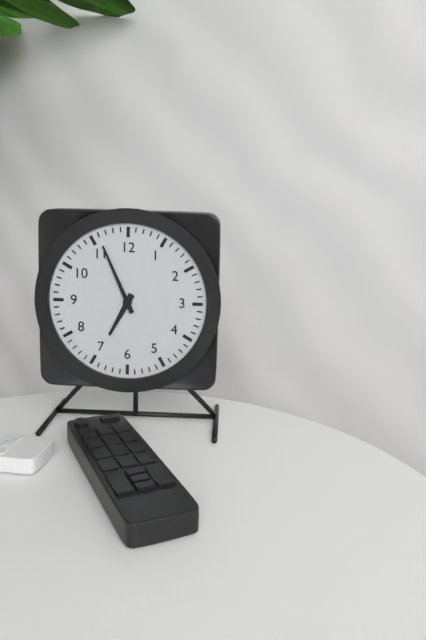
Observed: 6:56
